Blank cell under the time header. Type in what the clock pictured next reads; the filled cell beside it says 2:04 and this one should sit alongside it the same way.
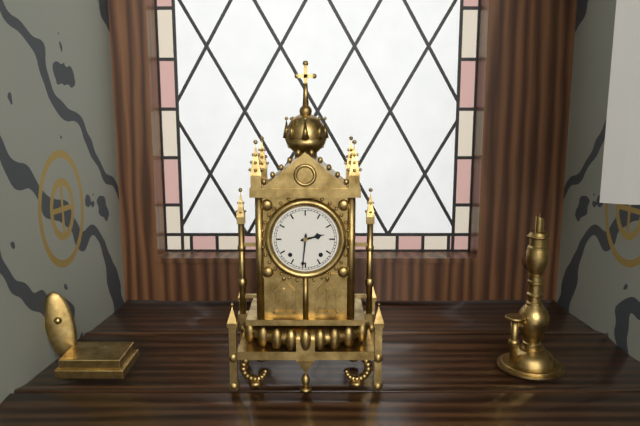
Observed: 2:31
